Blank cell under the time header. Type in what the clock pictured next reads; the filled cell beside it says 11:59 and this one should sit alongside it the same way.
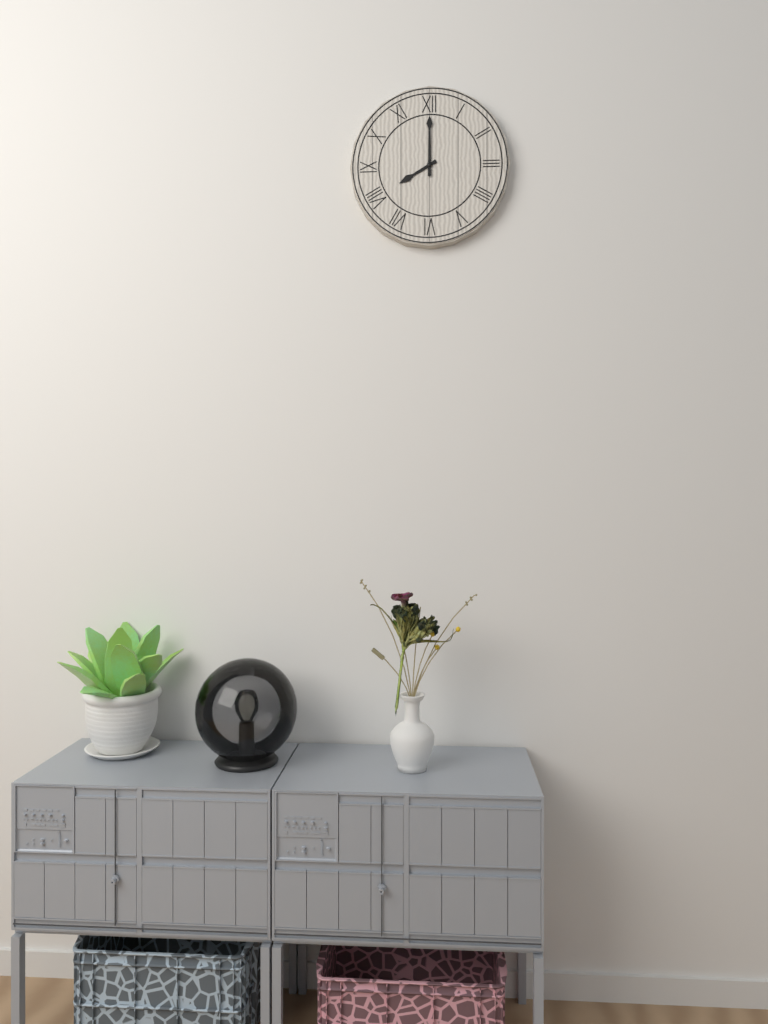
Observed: 8:00
